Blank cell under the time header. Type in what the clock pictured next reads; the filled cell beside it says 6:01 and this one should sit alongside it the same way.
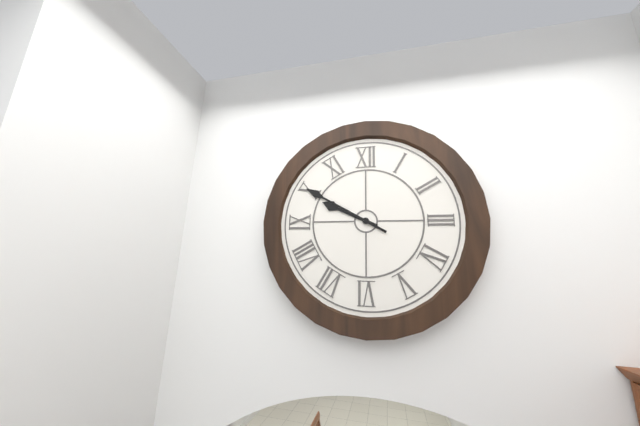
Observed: 9:50
